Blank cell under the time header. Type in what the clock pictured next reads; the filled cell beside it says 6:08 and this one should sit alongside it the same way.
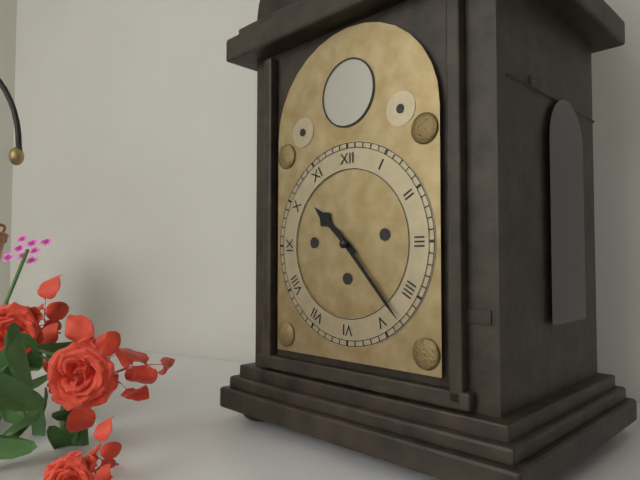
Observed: 10:23
